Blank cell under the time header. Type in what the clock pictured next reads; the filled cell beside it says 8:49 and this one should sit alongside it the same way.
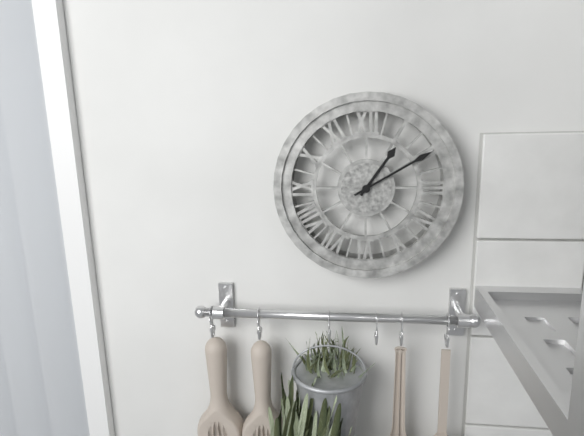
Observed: 1:10
